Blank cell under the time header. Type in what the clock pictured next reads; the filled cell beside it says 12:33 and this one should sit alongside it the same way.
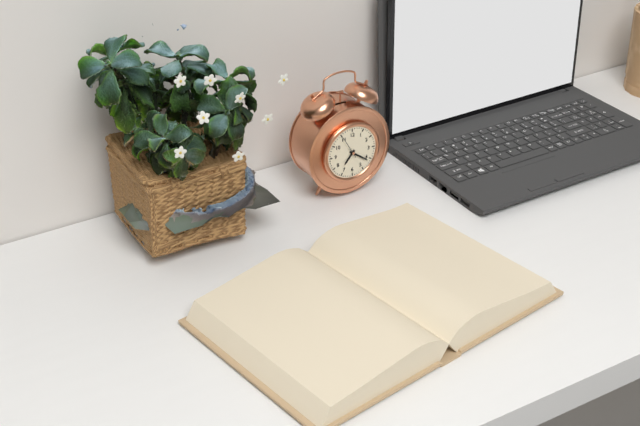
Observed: 7:21
